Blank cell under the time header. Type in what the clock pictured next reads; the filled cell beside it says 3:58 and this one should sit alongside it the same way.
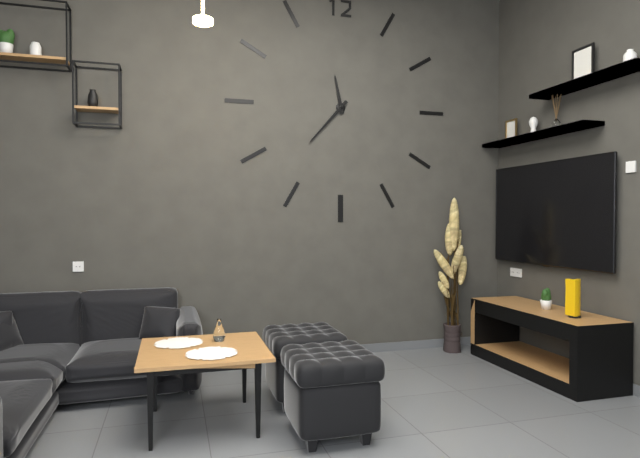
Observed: 11:37
